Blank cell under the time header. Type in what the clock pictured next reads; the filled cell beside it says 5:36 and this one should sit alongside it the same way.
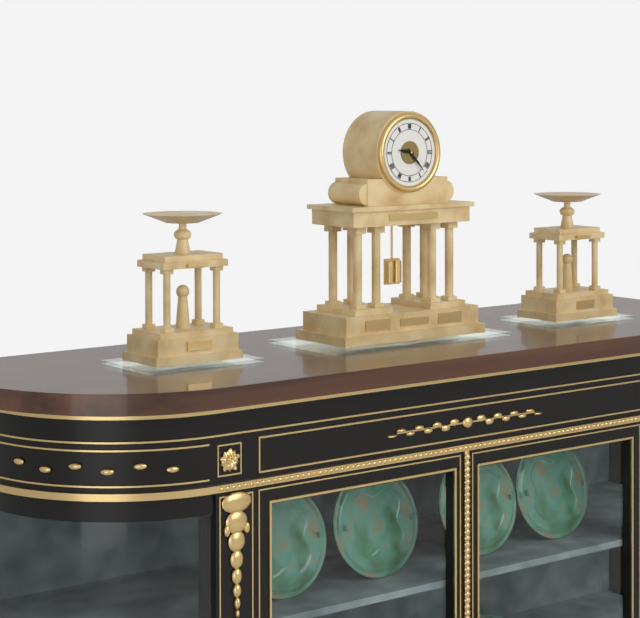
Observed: 9:23
